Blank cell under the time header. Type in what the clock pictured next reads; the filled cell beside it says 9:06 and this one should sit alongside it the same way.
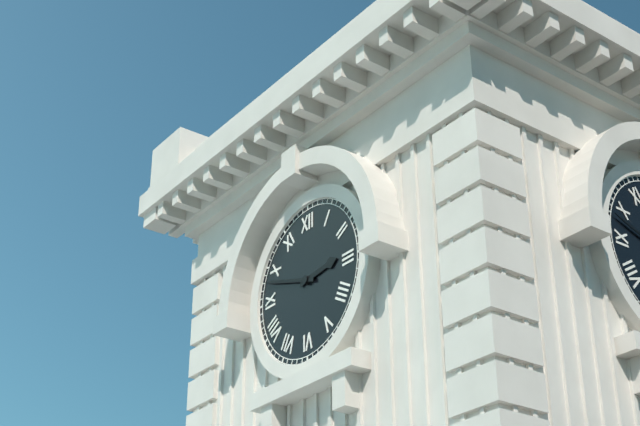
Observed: 2:48
